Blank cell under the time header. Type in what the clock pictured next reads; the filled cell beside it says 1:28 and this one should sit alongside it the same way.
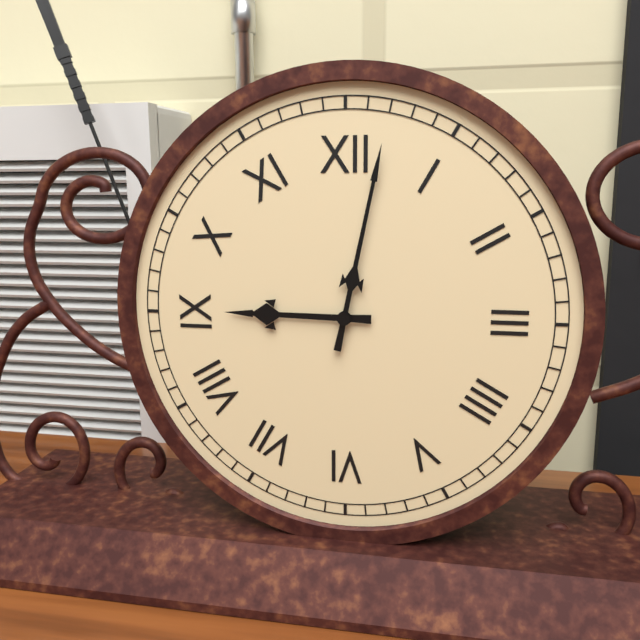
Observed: 9:02
